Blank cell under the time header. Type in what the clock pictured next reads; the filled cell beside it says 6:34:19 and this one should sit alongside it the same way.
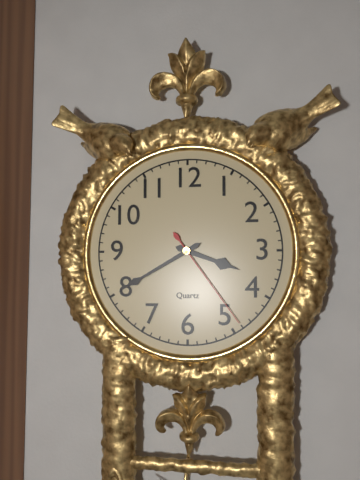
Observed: 3:40:24
